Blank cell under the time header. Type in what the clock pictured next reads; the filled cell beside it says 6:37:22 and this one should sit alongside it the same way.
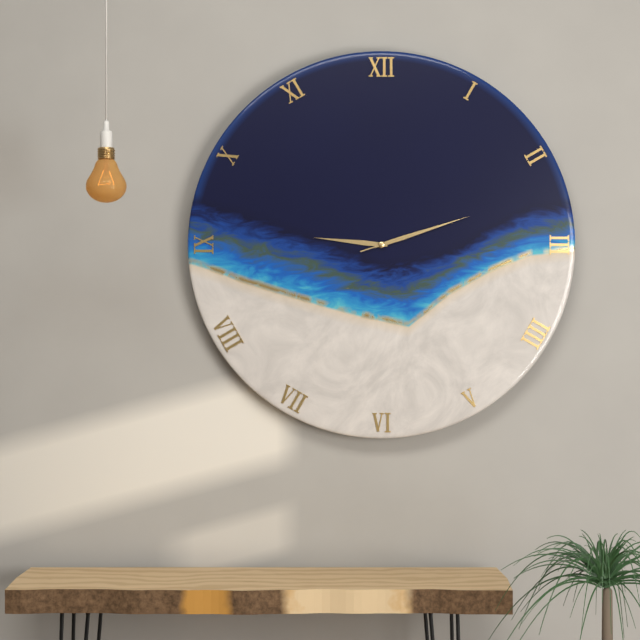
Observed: 9:12:12
